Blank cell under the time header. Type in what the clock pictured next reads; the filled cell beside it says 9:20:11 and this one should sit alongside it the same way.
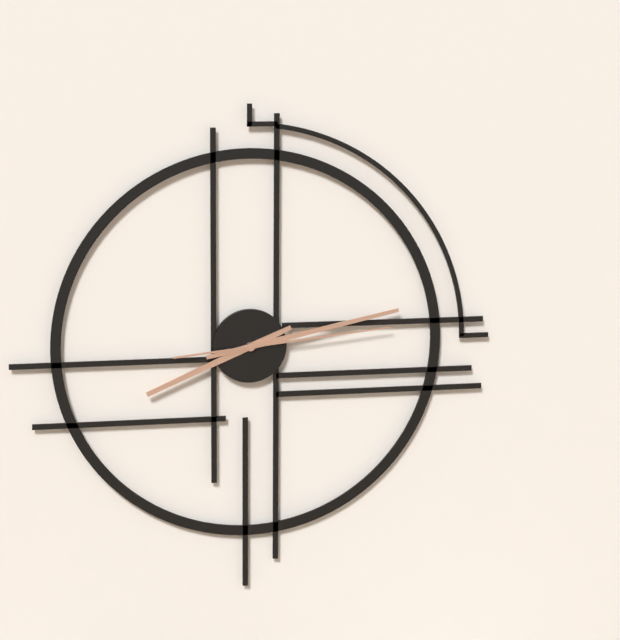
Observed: 8:13:14
